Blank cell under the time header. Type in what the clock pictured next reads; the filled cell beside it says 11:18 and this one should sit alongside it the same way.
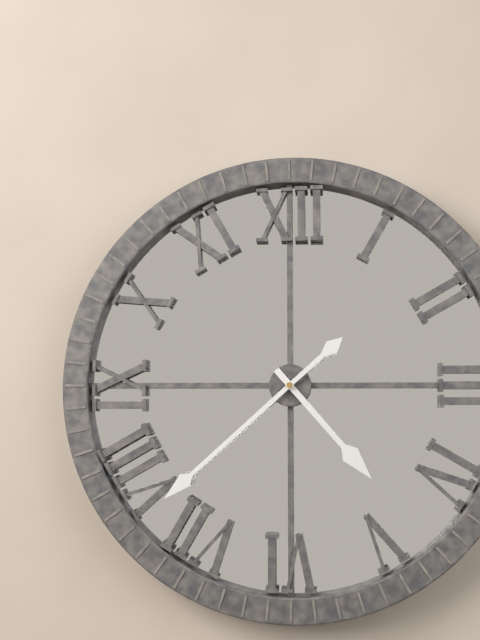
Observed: 4:38
